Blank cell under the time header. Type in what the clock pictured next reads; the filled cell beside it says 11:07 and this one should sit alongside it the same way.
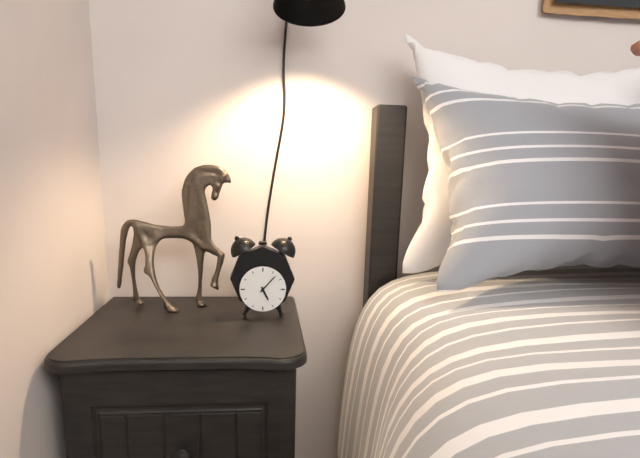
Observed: 5:07
